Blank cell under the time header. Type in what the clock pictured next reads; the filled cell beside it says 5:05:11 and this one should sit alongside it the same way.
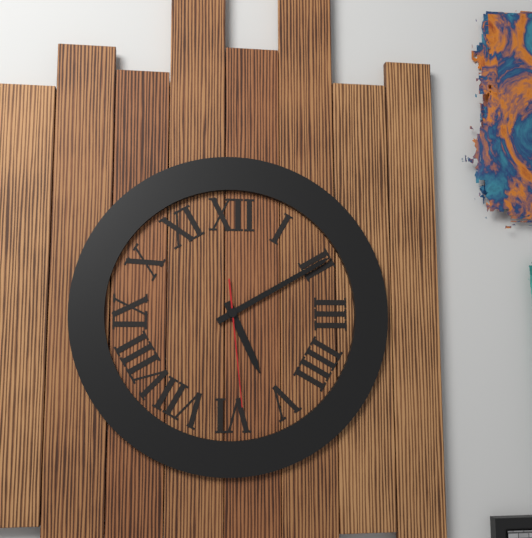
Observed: 5:10:29
